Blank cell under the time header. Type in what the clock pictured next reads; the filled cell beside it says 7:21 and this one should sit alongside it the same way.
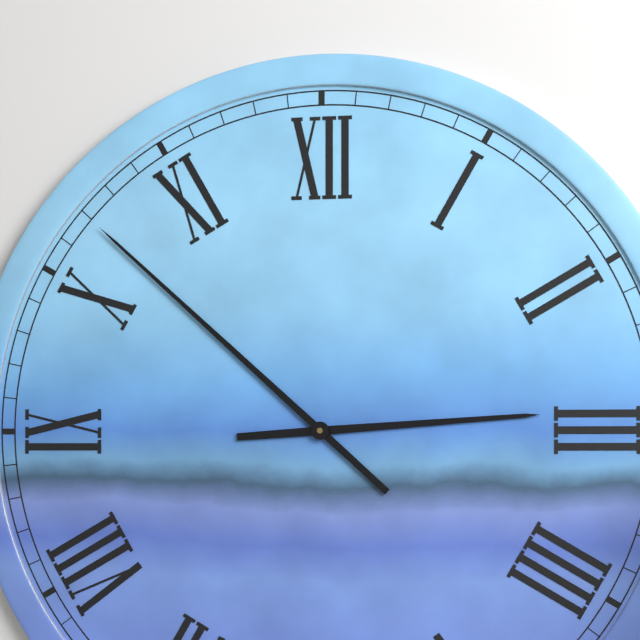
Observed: 2:52
